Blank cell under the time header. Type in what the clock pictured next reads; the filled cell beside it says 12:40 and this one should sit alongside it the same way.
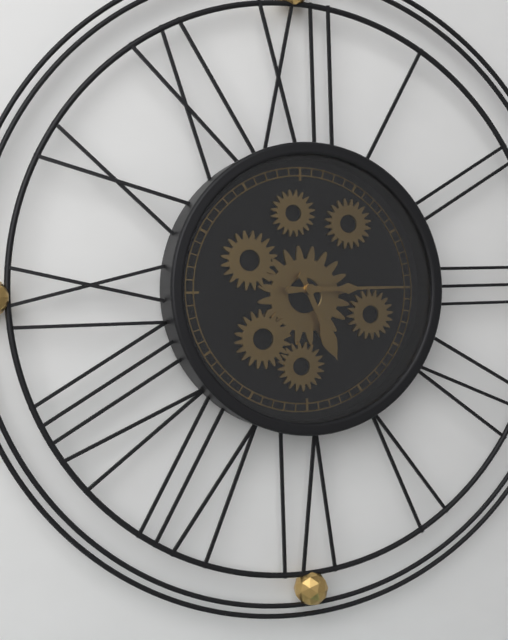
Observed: 5:15
